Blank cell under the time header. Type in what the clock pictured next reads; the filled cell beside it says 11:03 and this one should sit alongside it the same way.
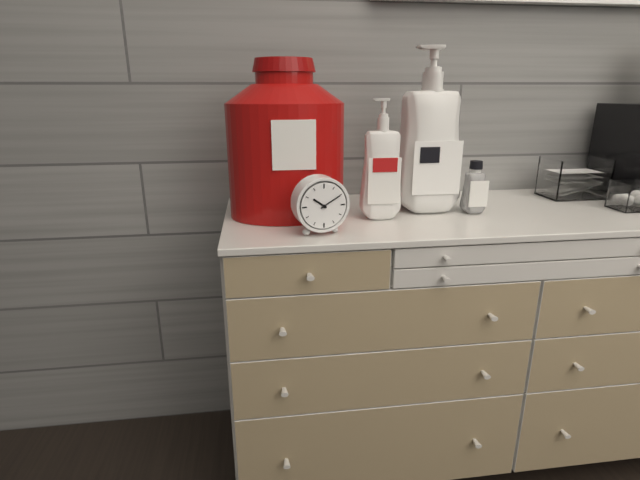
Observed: 10:10
